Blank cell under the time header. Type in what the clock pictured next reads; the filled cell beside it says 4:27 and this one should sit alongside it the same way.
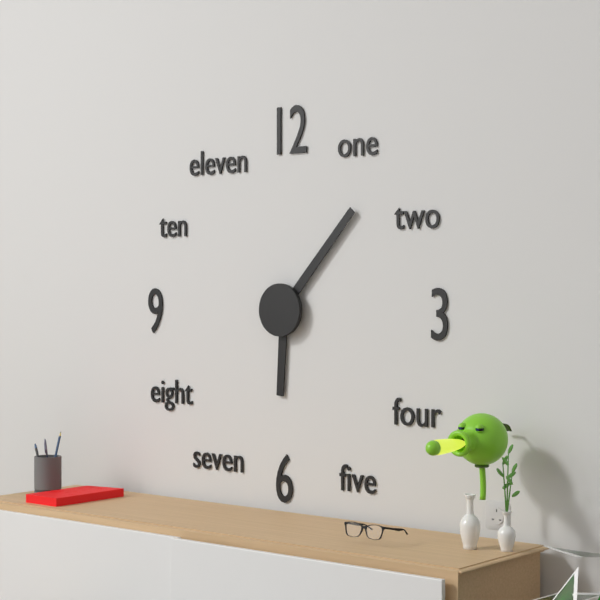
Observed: 6:07
